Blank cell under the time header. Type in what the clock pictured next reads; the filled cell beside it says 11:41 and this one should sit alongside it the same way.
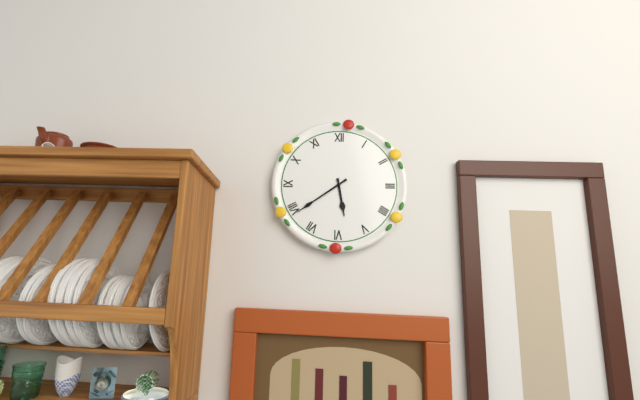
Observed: 5:39
